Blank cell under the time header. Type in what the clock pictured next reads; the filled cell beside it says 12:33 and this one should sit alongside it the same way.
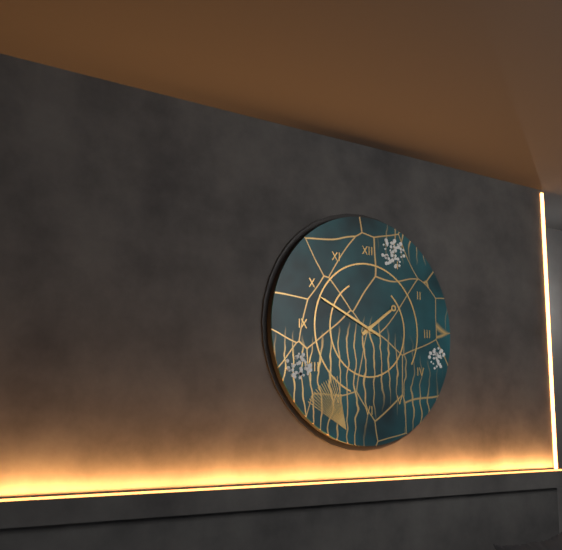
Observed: 1:49
